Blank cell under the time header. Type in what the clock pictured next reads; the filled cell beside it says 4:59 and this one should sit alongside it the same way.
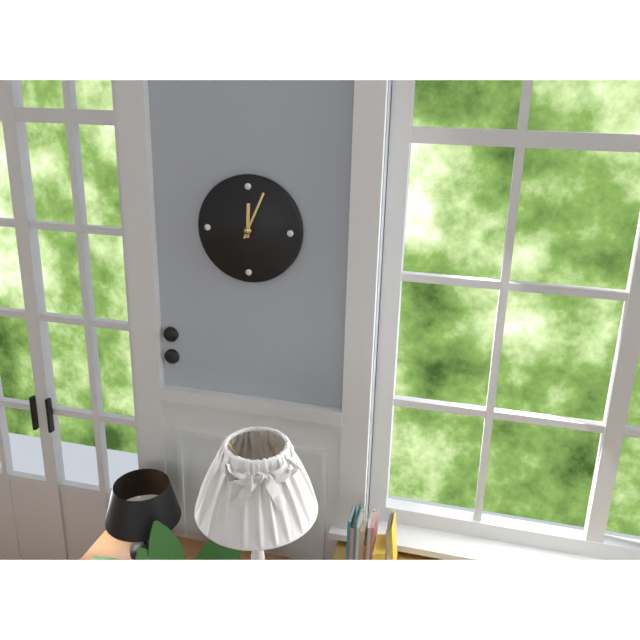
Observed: 12:04
